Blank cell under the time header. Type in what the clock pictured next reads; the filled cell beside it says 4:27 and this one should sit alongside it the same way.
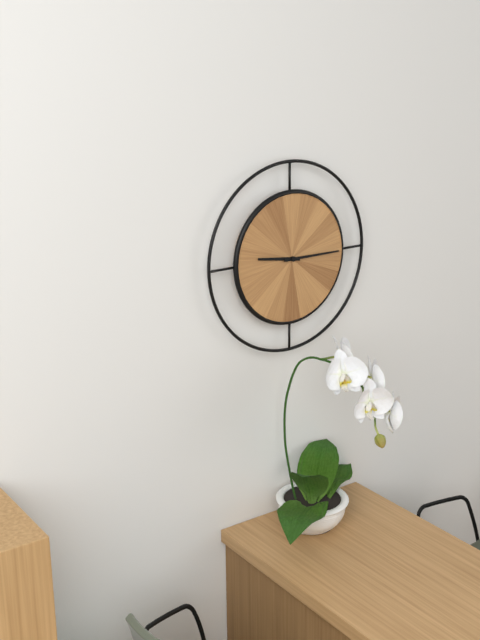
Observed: 9:15
